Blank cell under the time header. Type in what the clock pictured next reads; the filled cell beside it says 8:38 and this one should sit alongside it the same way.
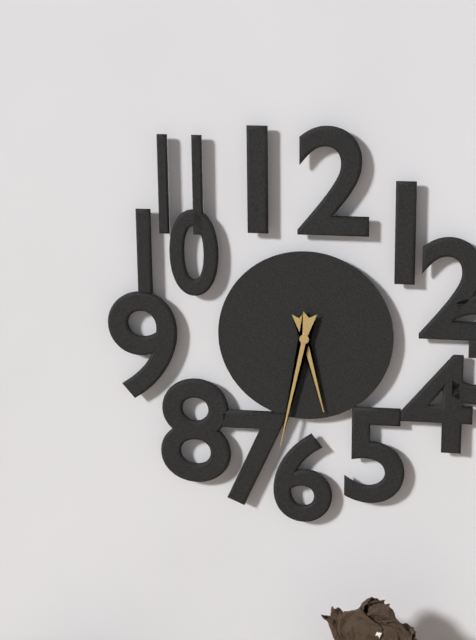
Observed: 5:32
